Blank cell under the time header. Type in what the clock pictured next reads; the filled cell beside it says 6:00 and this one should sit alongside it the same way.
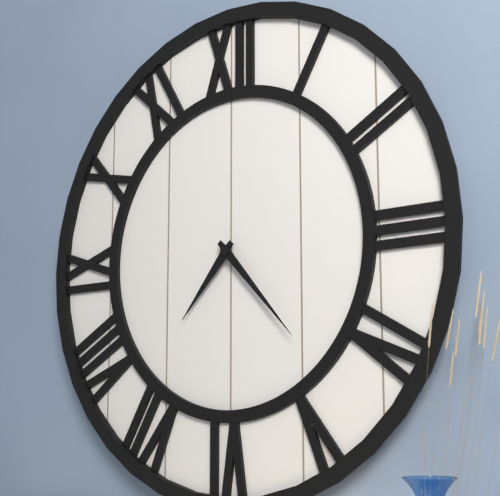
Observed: 7:23
